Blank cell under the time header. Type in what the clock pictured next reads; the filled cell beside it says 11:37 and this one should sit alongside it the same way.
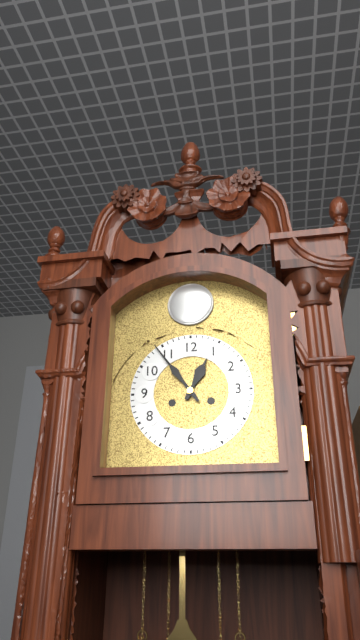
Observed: 12:54
